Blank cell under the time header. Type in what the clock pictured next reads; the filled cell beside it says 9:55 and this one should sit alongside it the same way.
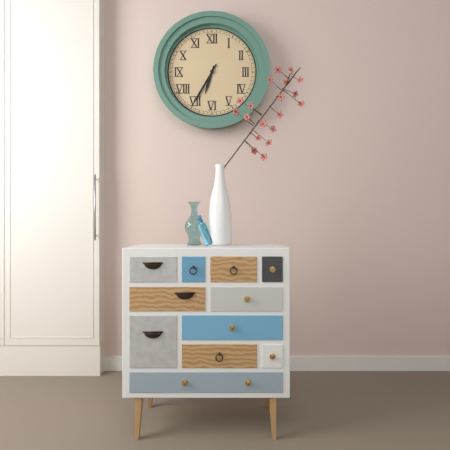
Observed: 6:35
